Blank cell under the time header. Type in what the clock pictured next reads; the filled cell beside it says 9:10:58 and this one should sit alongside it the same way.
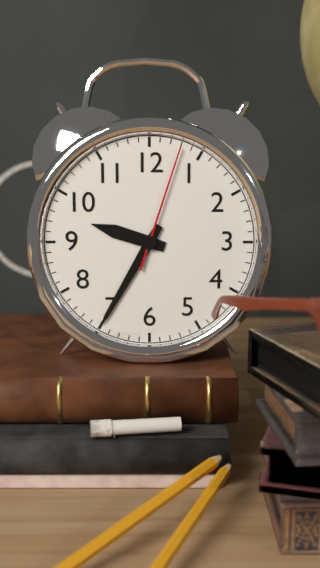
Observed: 9:35:03
